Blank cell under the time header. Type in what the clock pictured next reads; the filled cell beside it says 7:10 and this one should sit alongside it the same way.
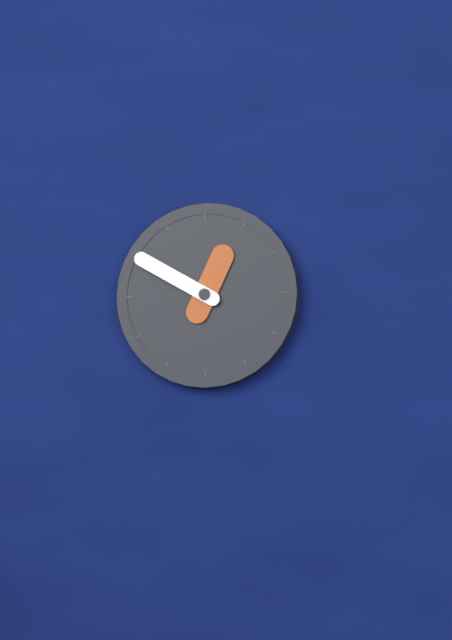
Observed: 12:50
